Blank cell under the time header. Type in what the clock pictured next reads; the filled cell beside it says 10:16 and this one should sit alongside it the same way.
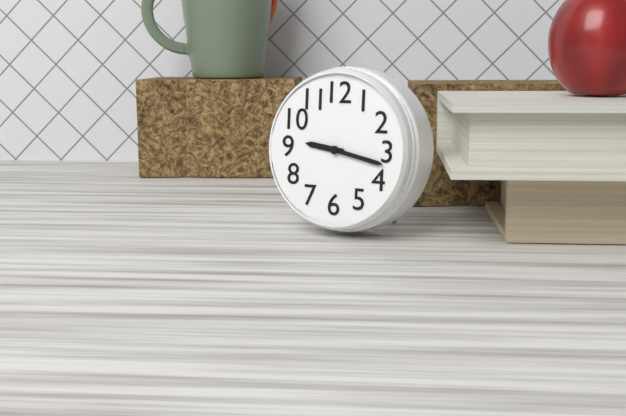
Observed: 9:17
